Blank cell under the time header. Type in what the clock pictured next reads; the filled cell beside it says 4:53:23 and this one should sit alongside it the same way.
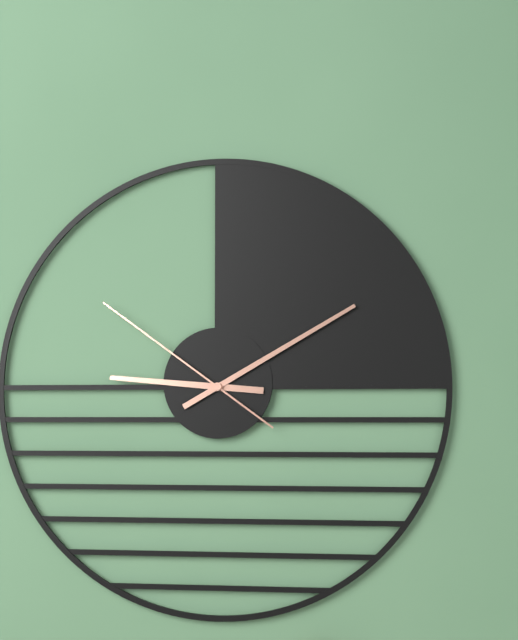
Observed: 9:10:51
